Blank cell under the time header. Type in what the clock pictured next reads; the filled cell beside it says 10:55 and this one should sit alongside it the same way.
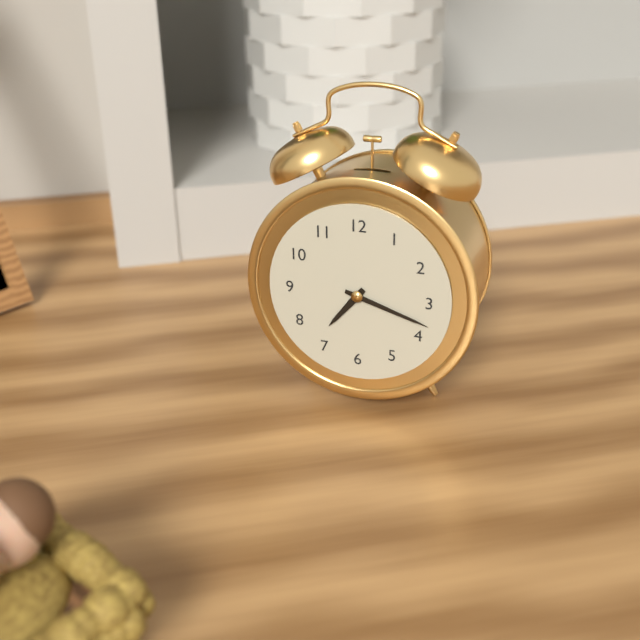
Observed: 7:18
